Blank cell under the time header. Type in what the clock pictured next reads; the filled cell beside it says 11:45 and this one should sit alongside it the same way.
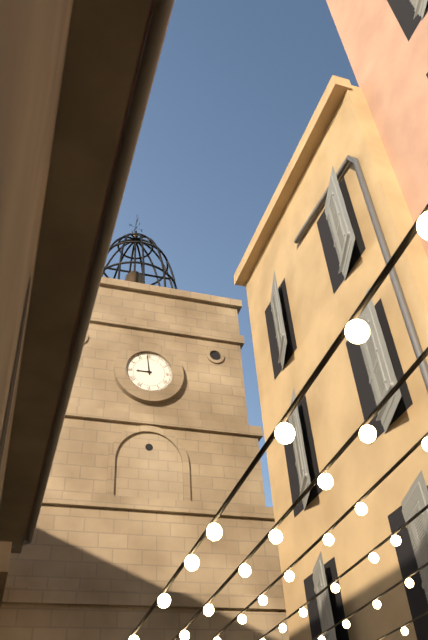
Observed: 8:59
